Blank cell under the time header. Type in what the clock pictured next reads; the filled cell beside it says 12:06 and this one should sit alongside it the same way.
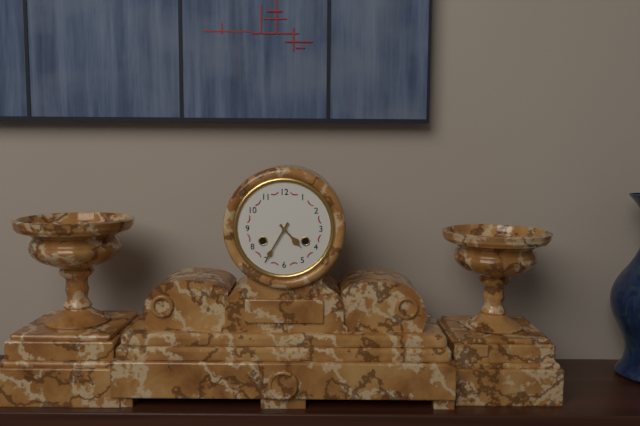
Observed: 4:35
